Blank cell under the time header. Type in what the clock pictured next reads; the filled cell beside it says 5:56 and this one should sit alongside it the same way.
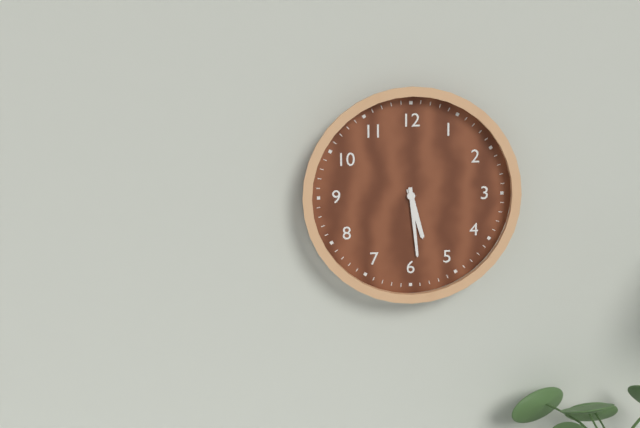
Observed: 5:29
